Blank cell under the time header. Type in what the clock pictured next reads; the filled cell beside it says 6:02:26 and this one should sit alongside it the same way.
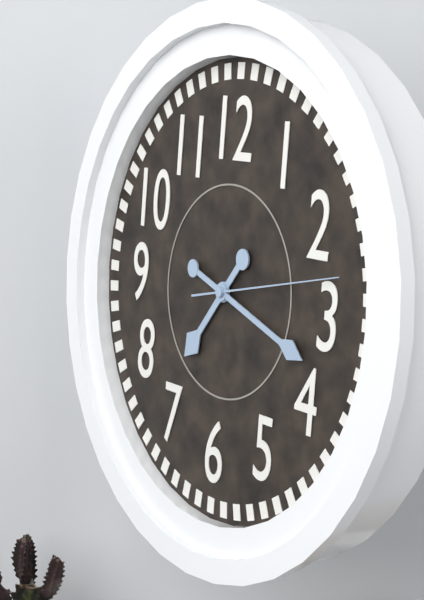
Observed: 7:18:13
